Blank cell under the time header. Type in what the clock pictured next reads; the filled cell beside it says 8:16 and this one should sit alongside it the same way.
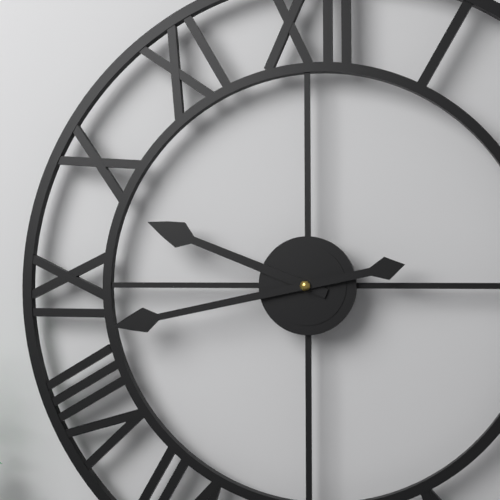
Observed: 9:43
